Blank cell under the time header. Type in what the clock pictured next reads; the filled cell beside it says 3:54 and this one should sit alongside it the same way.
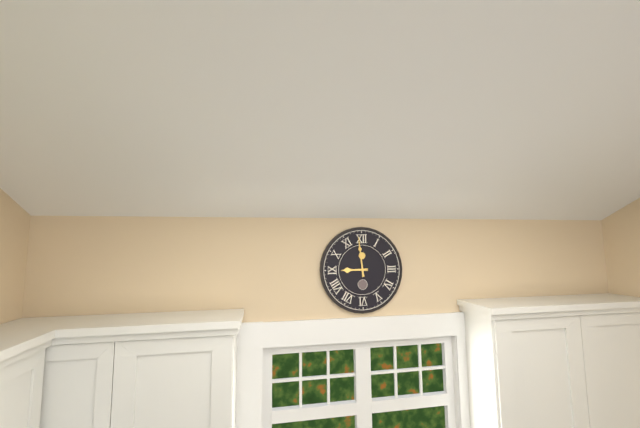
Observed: 8:59
